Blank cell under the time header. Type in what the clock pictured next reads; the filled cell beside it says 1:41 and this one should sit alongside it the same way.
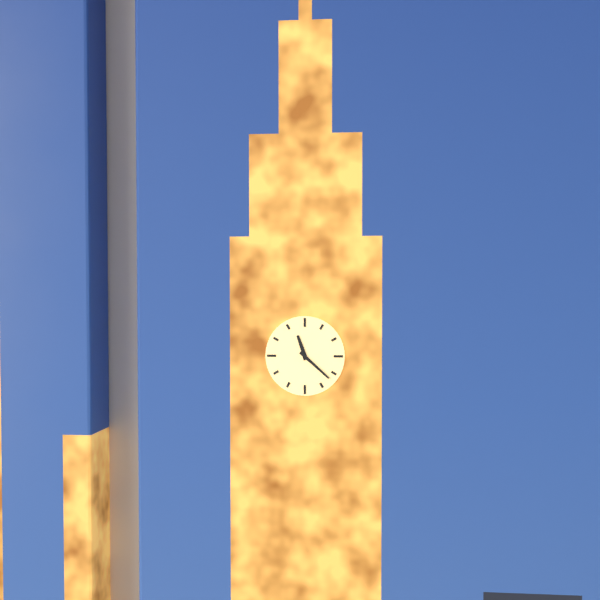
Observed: 11:22
